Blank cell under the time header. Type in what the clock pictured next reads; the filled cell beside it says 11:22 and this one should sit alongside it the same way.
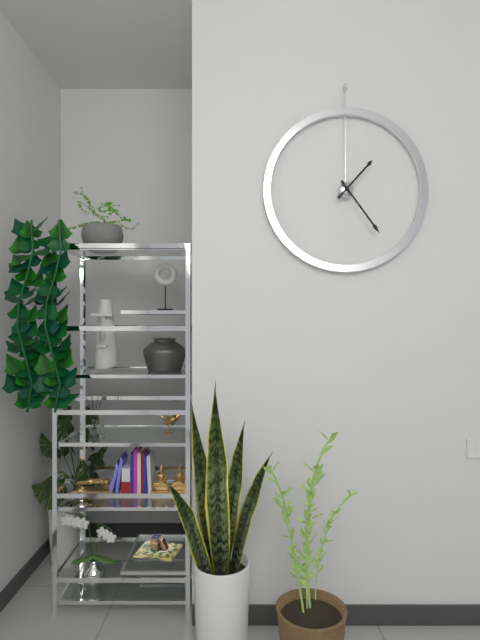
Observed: 1:24
